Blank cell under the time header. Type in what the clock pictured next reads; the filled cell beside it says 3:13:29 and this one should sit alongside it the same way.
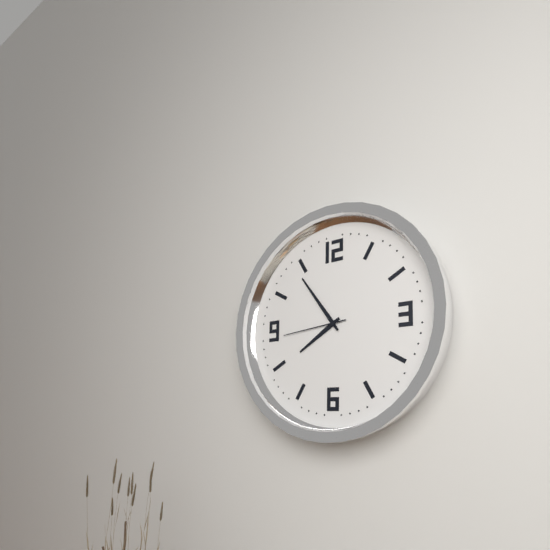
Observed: 7:54:44
